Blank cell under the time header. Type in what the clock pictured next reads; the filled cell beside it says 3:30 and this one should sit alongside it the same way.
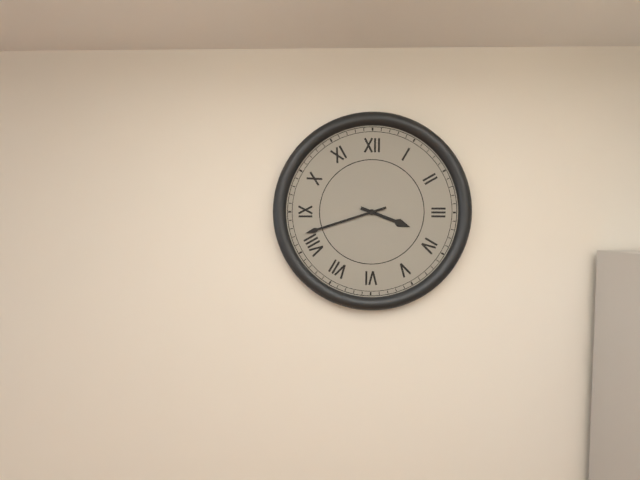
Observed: 3:42
